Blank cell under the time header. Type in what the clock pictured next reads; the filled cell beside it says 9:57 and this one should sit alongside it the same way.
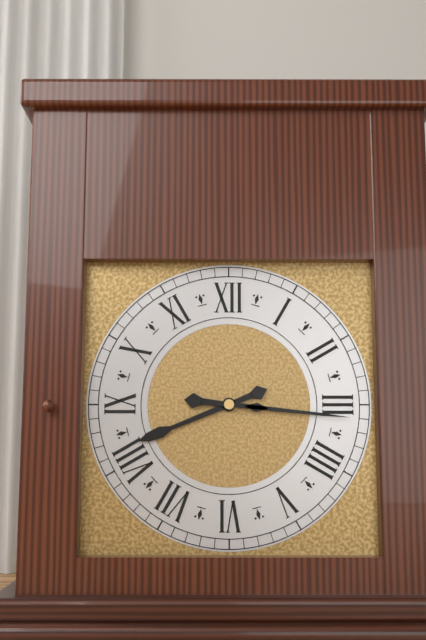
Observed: 8:16
